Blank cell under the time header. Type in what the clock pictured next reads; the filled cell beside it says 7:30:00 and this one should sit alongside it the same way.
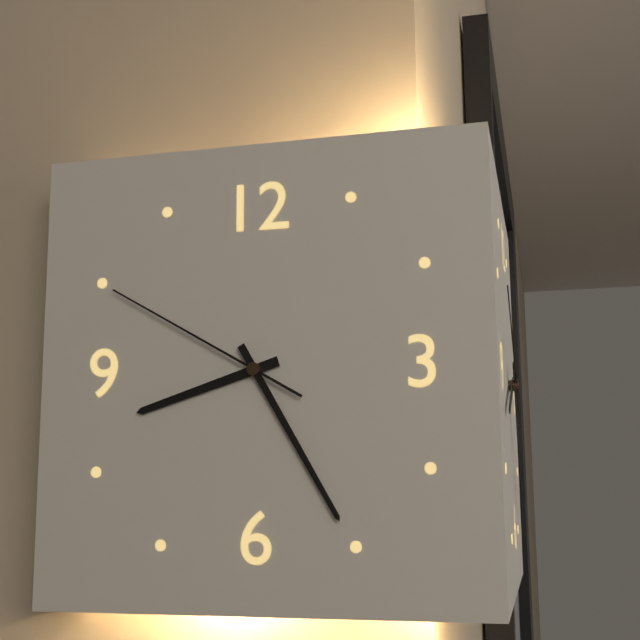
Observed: 8:25:50
